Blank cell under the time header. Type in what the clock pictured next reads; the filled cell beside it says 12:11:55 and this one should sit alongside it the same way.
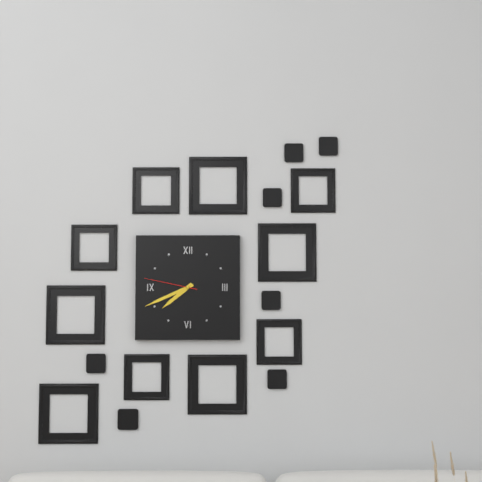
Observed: 7:41:47
